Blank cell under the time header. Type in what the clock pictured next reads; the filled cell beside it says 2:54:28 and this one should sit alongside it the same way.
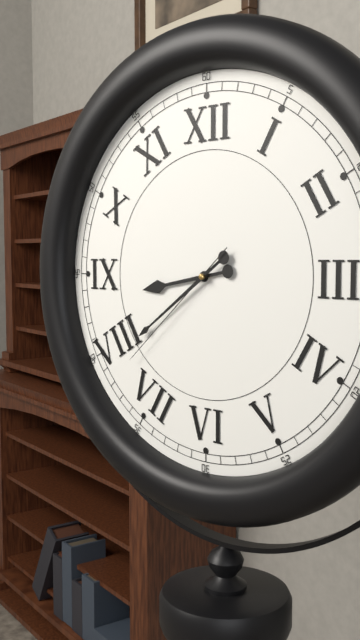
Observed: 8:39:38
